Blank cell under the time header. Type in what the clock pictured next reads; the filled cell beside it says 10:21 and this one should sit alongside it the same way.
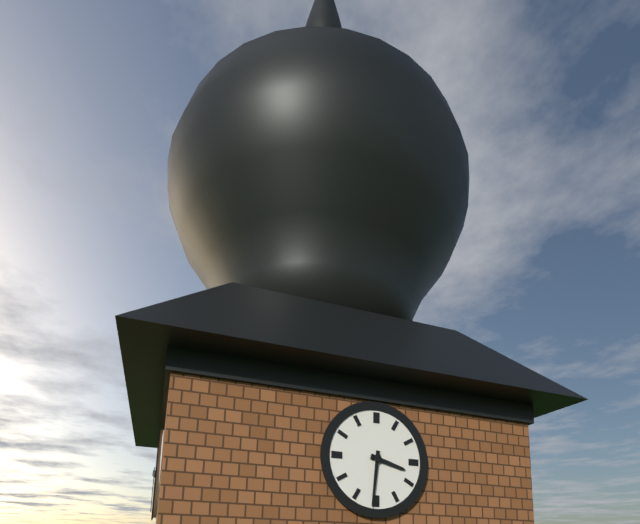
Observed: 3:31
